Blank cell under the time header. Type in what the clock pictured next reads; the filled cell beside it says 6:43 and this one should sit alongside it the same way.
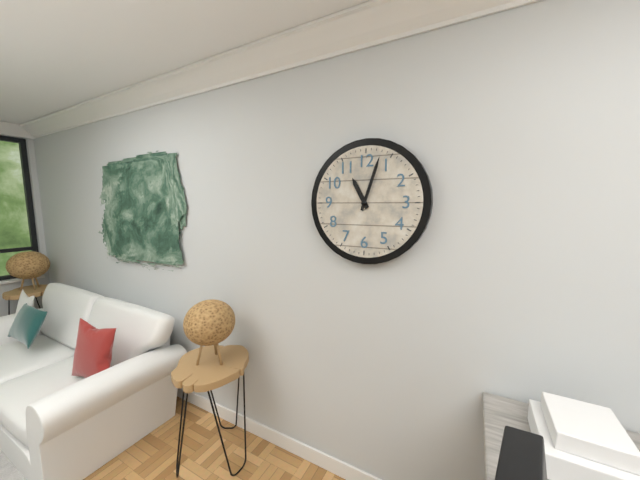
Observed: 11:03
